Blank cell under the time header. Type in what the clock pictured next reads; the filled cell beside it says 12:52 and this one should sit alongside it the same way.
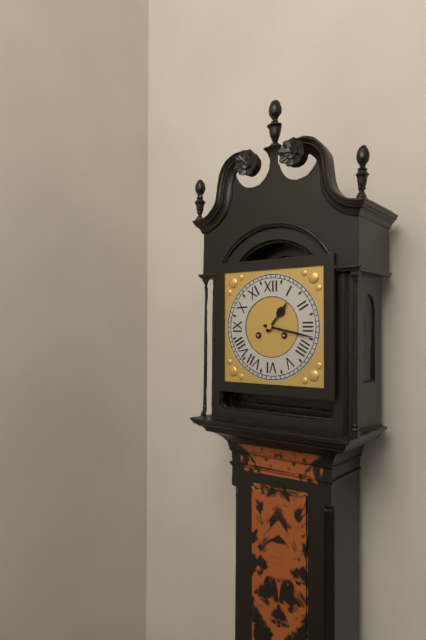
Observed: 1:17
